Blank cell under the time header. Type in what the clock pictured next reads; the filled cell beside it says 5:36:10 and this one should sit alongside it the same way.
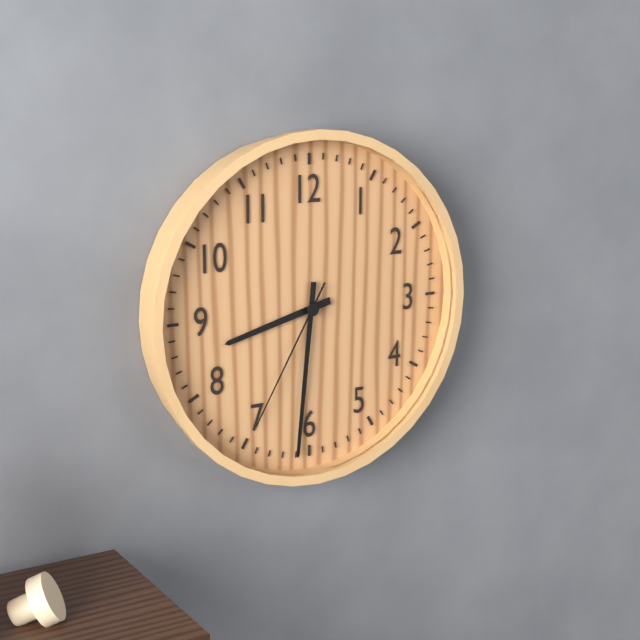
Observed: 8:31:35
